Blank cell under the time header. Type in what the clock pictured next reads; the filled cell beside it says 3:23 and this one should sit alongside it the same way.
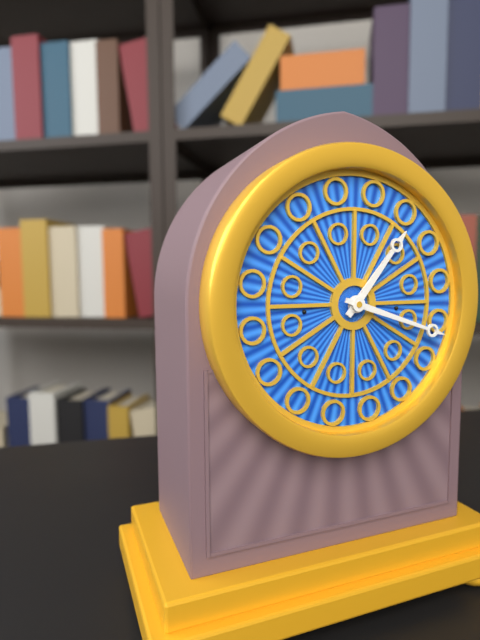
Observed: 1:18
